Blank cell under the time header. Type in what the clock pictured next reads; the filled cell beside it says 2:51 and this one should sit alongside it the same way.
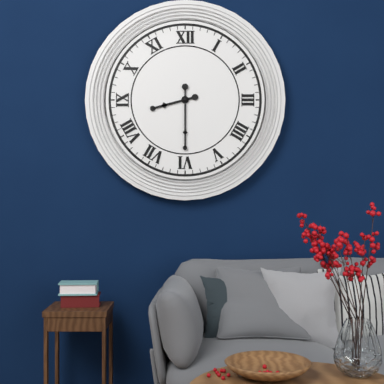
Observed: 8:30
